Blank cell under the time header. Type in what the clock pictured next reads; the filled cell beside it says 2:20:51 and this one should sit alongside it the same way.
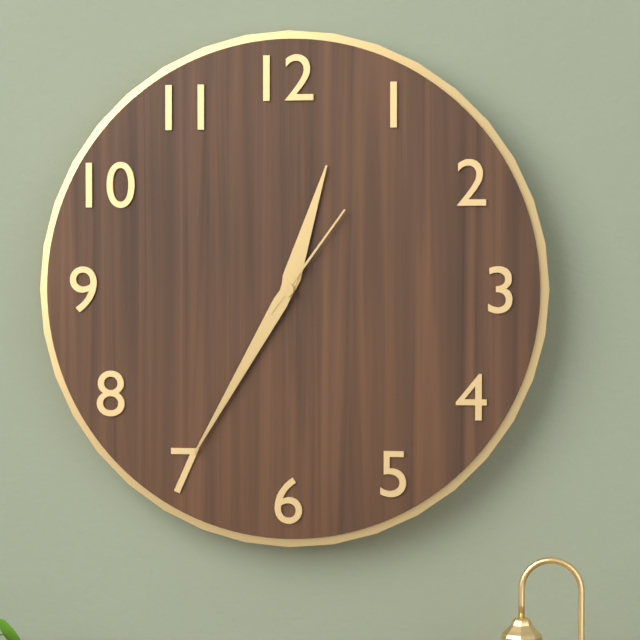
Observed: 12:35:06
